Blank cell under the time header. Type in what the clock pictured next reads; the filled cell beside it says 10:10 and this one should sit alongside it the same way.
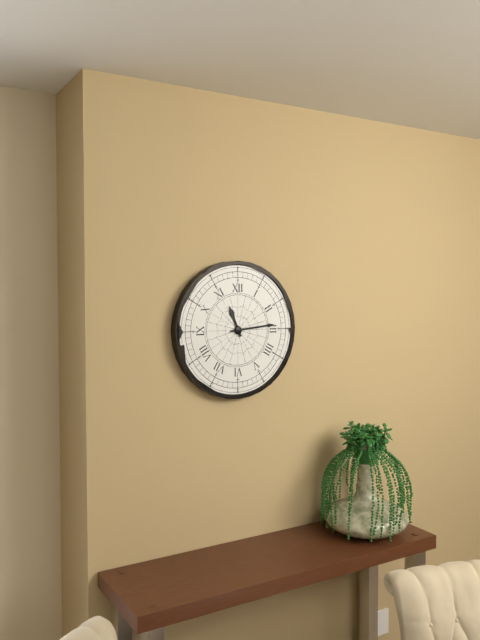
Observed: 11:14
